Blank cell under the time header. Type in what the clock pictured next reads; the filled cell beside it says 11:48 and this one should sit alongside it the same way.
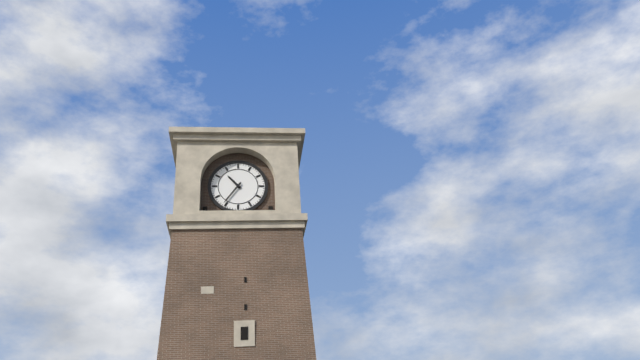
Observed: 10:36
